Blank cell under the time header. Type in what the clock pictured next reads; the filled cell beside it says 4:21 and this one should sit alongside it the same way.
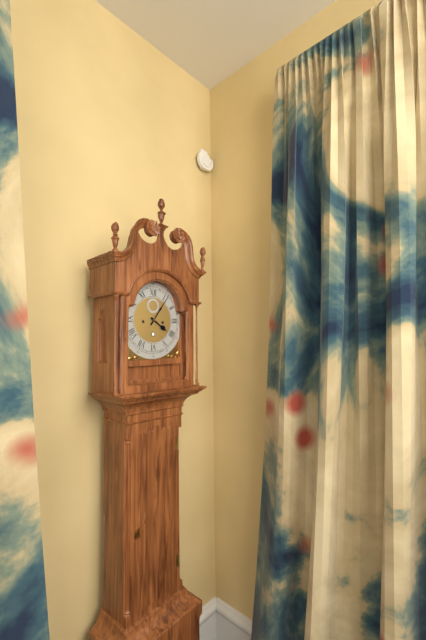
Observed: 4:06
